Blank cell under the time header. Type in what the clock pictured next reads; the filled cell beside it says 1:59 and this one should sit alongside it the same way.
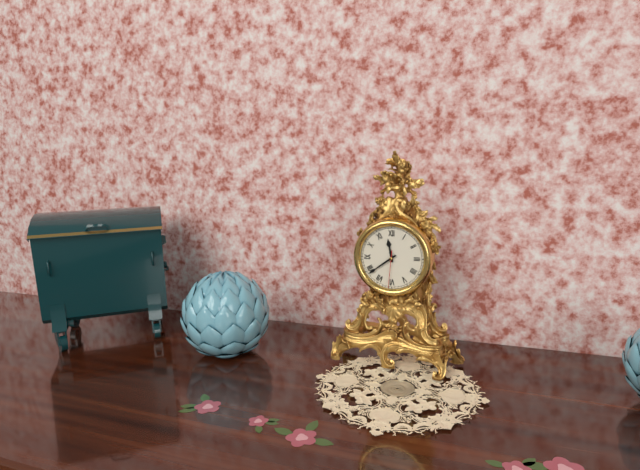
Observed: 11:39
